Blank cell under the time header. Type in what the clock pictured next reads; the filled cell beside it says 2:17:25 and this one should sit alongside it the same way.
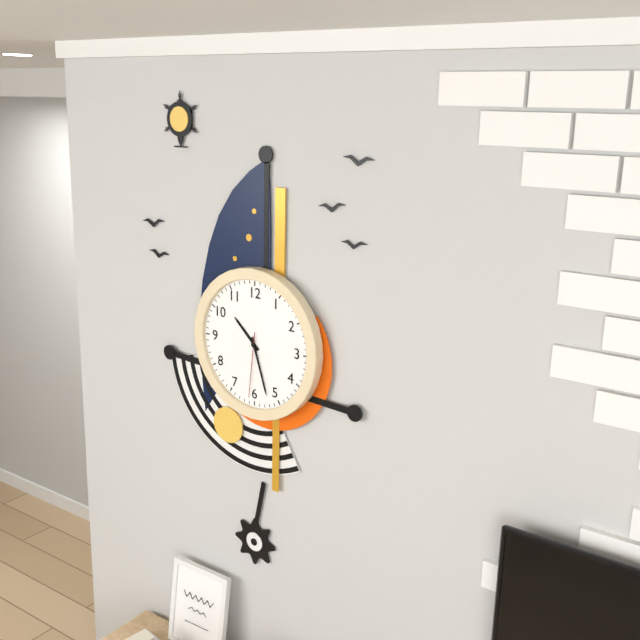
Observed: 10:27:31
